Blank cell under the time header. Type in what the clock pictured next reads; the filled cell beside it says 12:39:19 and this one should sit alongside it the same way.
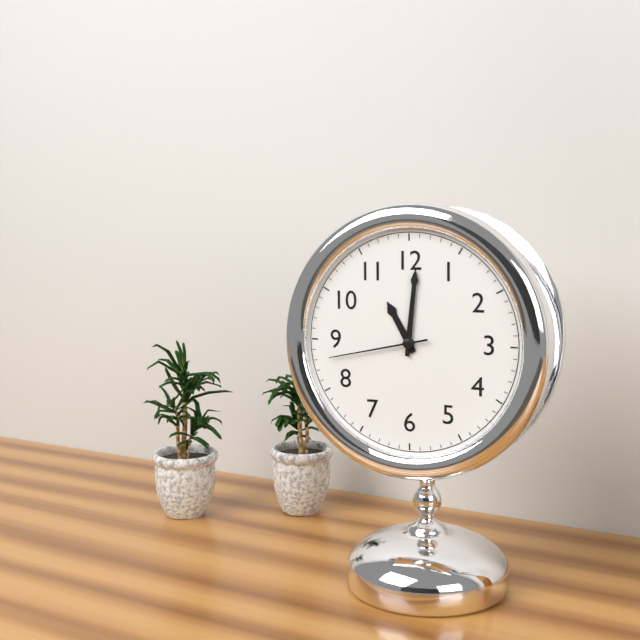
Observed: 11:01:43
